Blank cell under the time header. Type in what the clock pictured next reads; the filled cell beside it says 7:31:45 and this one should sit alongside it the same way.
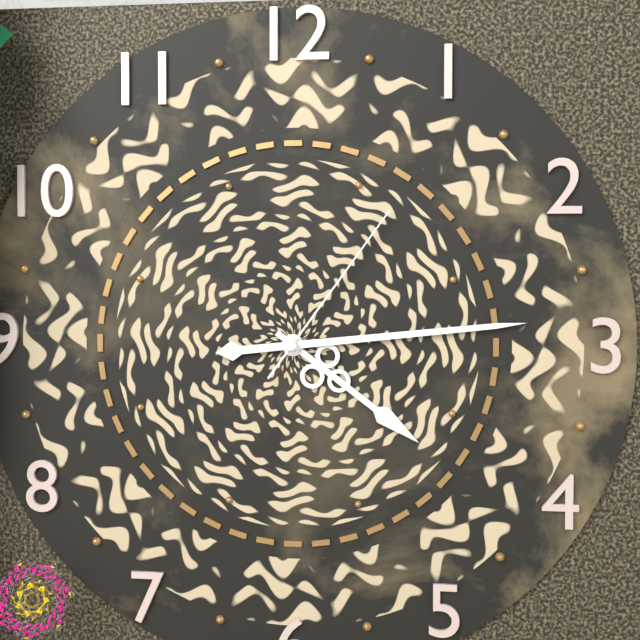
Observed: 4:14:06
